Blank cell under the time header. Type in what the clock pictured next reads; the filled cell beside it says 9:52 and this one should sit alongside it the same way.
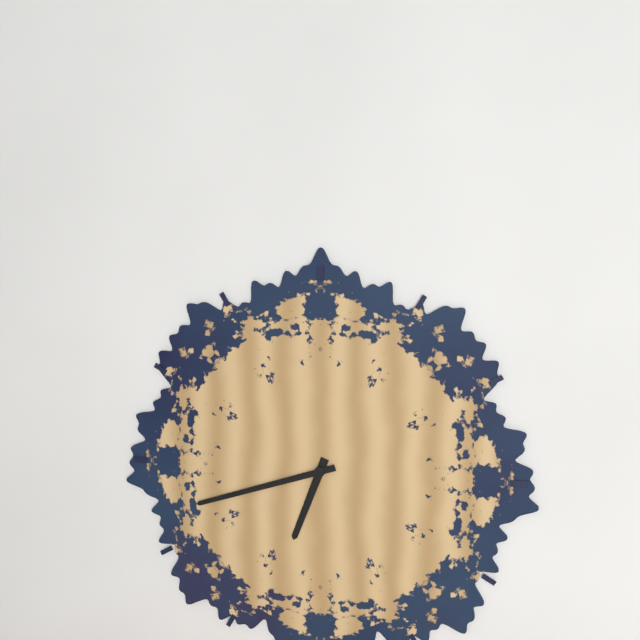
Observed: 6:42
